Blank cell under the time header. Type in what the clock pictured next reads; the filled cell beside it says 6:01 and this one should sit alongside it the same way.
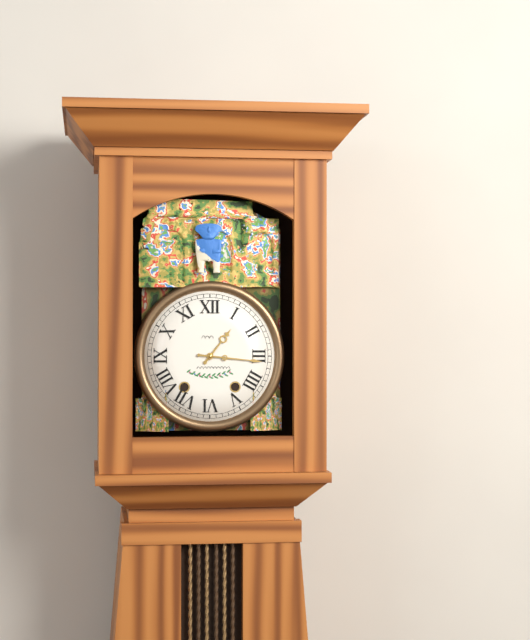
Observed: 1:16
